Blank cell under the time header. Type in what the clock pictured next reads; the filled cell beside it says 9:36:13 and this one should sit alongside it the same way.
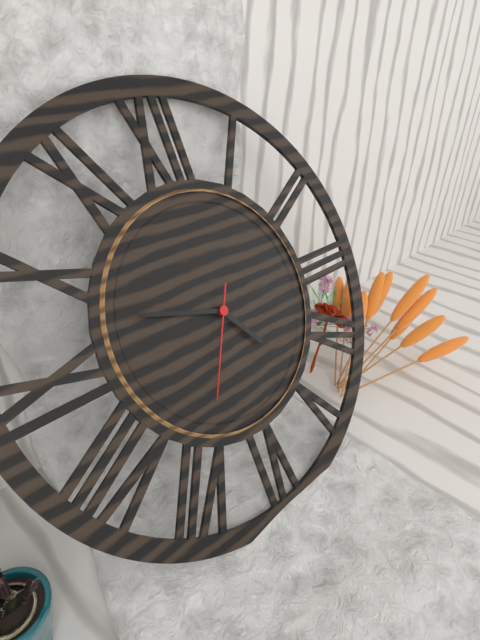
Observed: 4:48:35
